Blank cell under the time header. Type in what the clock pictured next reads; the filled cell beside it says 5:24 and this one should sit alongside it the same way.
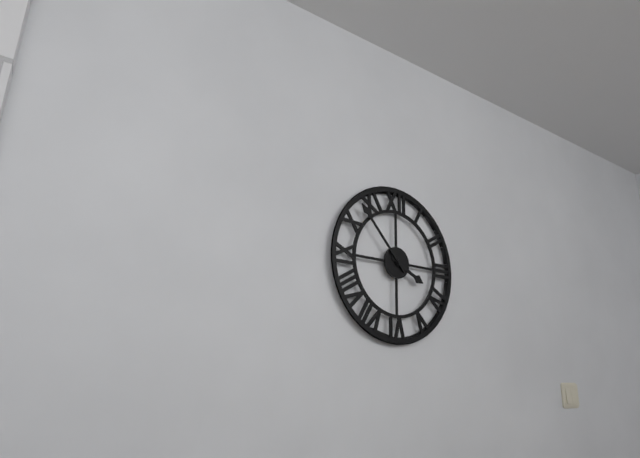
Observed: 3:53
